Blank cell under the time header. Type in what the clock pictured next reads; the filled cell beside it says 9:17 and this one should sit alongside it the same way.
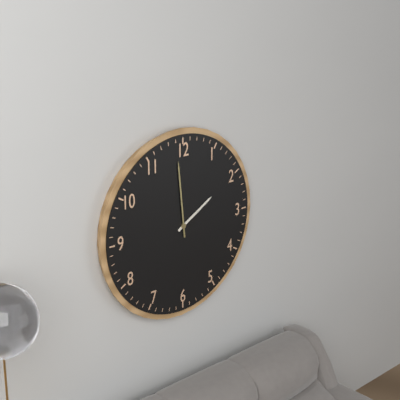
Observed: 1:59
